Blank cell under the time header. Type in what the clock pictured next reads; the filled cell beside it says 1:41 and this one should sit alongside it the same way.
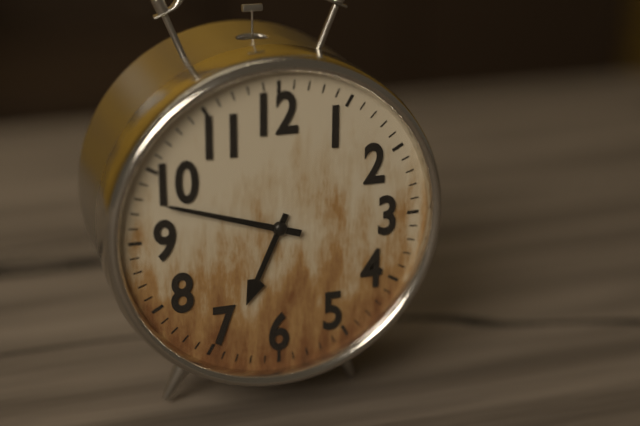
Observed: 6:48
